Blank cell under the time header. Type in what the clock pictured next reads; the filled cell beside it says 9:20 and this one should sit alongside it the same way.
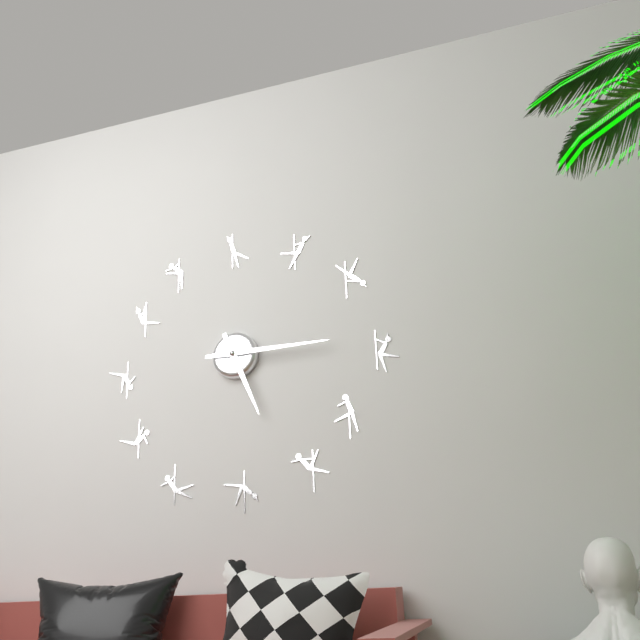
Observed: 5:15
